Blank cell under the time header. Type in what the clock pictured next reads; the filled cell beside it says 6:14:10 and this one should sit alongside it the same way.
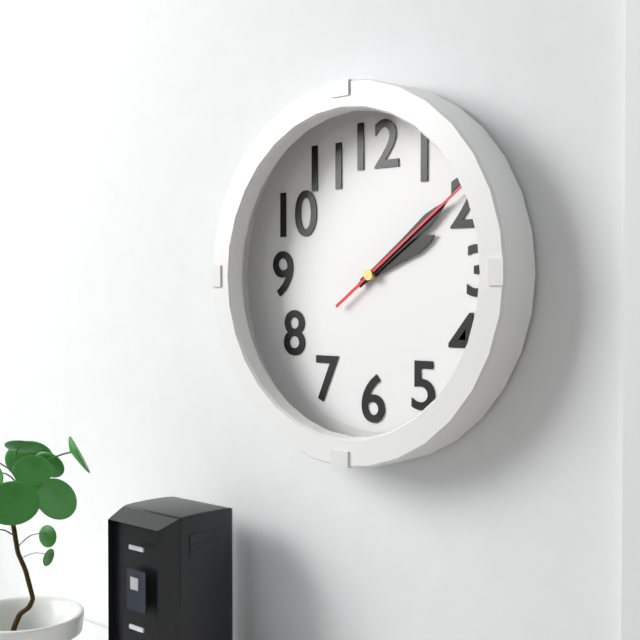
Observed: 2:09:09
